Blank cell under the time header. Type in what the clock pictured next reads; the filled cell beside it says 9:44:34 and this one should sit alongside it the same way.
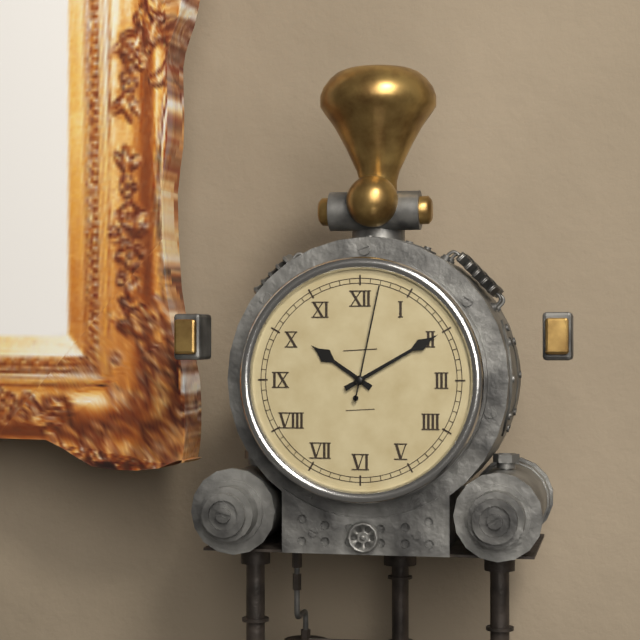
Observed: 10:10:02
